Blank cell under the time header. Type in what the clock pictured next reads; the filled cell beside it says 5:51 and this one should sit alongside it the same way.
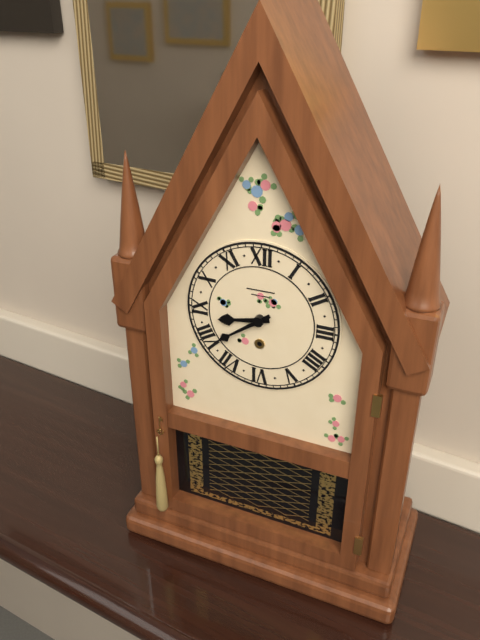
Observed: 8:39
